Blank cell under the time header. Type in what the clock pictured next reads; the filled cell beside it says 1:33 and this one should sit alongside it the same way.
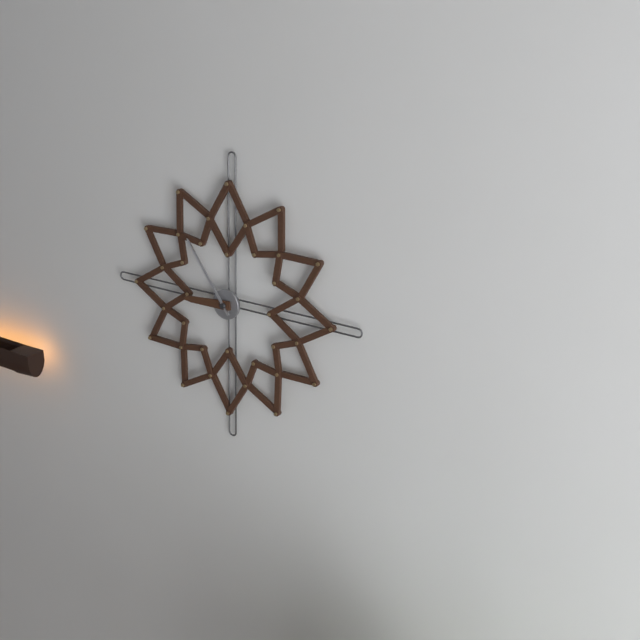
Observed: 8:54
